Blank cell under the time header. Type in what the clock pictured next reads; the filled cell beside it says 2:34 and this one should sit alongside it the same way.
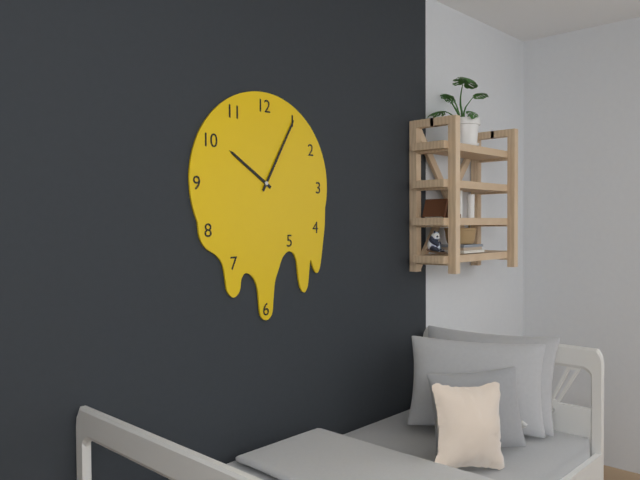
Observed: 10:05
